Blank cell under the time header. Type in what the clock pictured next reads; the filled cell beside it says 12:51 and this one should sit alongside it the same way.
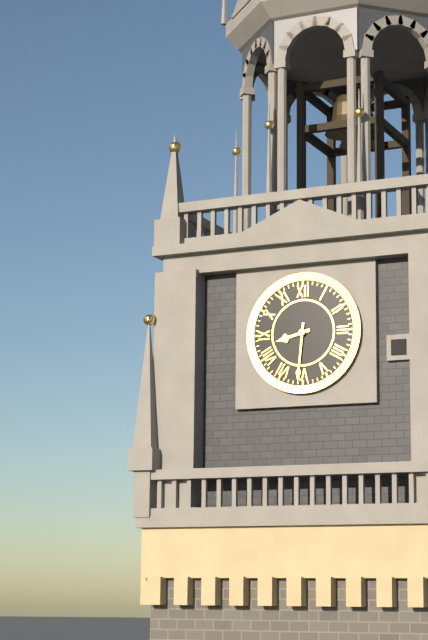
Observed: 8:31
